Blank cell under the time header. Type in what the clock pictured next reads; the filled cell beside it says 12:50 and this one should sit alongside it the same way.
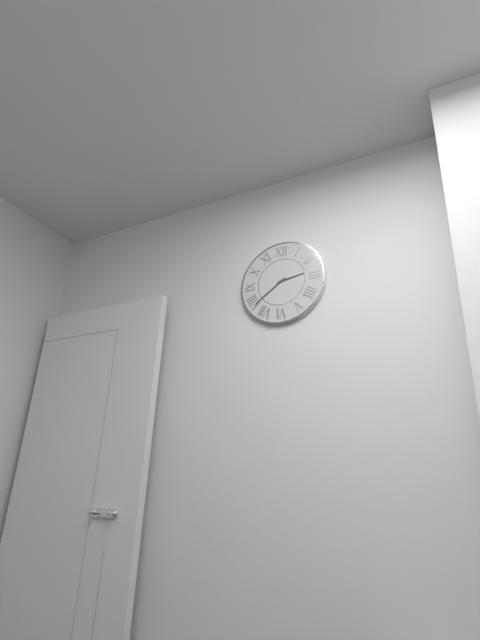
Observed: 2:39
